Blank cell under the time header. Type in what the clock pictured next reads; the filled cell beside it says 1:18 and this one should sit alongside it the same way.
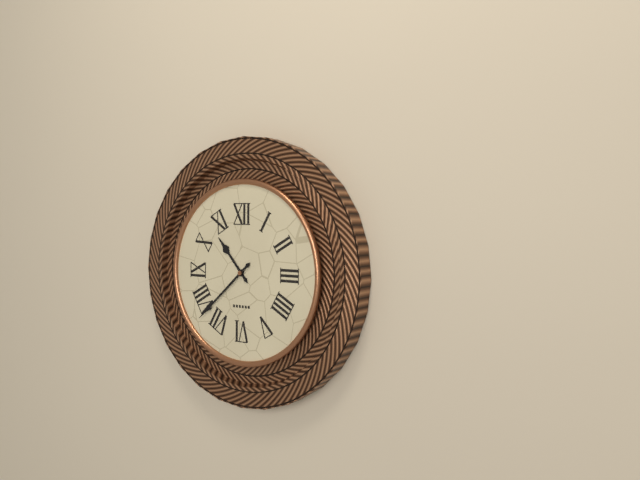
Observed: 10:38
